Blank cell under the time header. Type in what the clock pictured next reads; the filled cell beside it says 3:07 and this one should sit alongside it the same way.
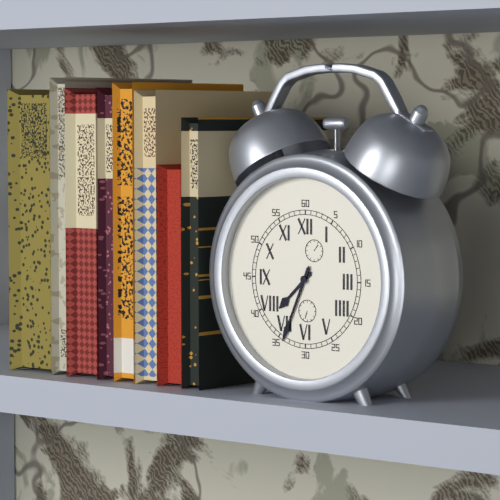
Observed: 7:34
